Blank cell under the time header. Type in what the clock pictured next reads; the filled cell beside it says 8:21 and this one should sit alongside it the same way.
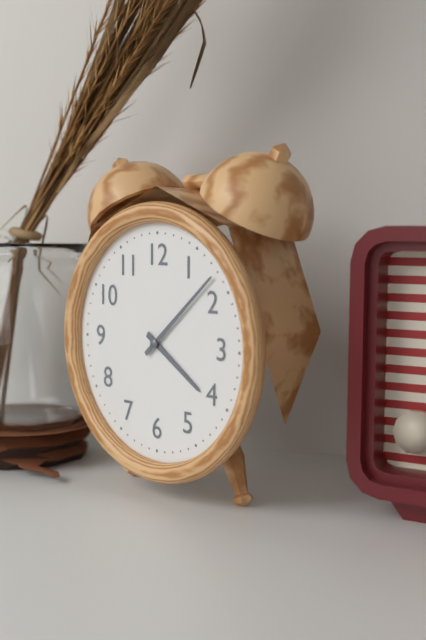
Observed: 4:08
